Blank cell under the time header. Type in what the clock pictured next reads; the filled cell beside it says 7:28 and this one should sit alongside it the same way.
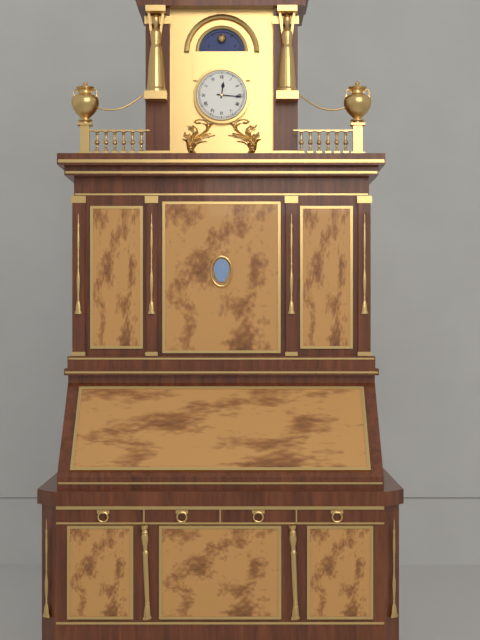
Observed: 12:16
